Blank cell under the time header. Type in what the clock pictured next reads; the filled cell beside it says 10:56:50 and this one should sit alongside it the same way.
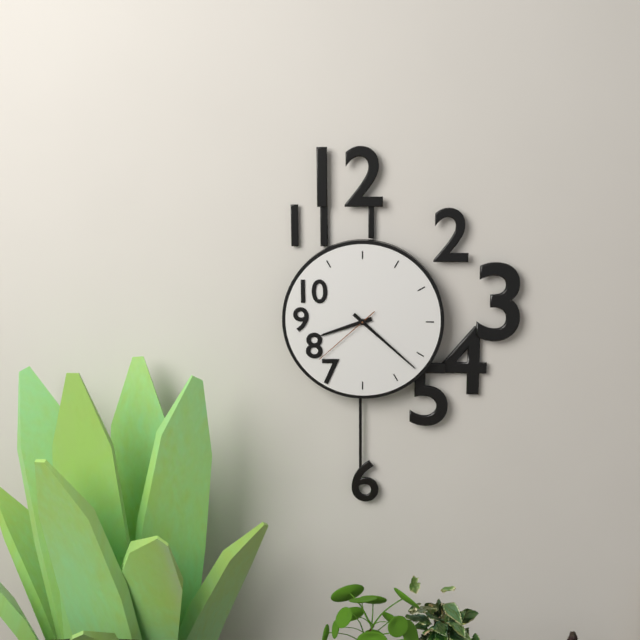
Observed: 8:22:38
